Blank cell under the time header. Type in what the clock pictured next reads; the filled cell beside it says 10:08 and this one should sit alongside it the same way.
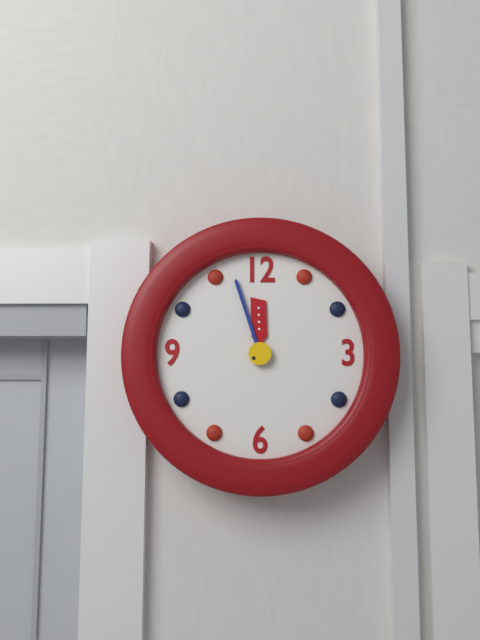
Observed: 11:57
